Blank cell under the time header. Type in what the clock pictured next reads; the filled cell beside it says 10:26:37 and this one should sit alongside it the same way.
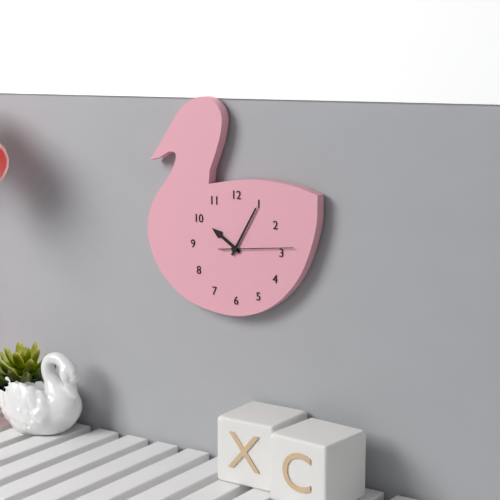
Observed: 10:05:14
